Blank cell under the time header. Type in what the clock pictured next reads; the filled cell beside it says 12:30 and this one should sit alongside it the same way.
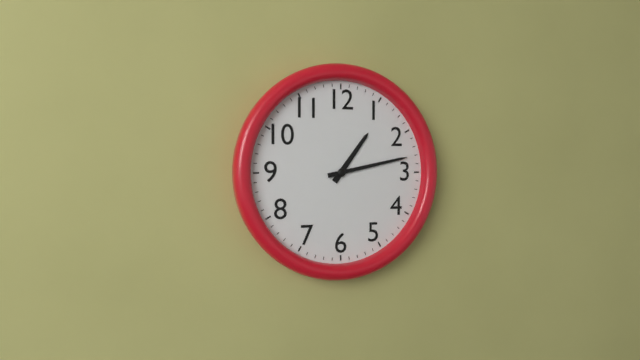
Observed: 1:13
